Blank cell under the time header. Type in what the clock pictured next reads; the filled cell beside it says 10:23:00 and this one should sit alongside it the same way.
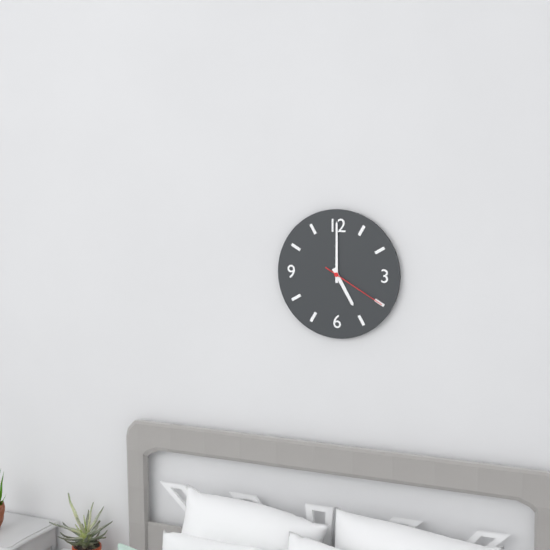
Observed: 5:00:20
